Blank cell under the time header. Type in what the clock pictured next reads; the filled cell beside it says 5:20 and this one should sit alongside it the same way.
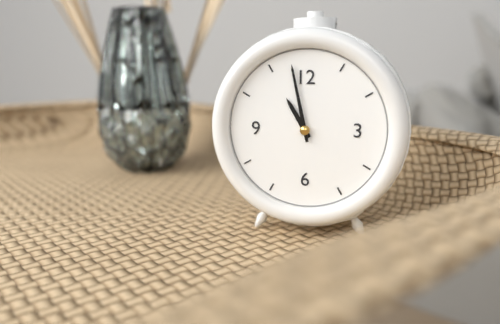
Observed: 10:58
